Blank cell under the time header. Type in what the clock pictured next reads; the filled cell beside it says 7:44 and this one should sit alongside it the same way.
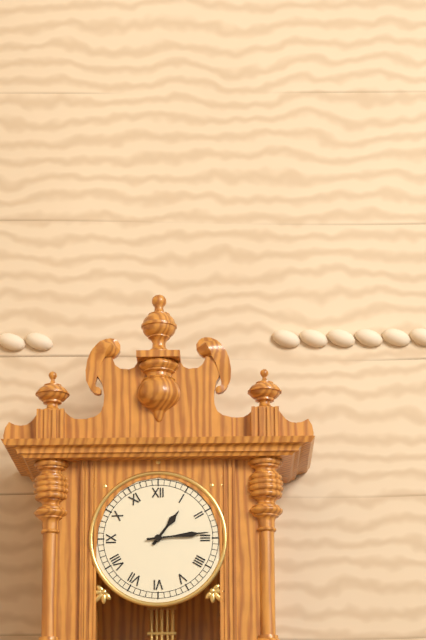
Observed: 1:14
